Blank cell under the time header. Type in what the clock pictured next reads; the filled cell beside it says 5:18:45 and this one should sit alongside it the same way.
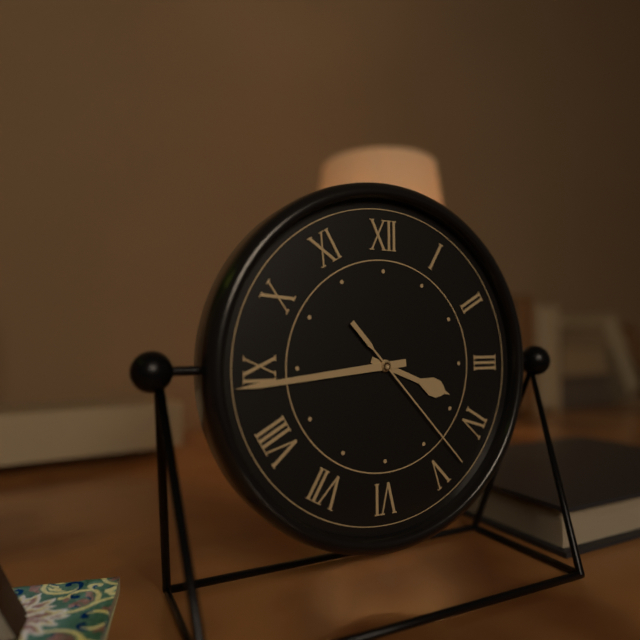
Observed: 3:44:23
